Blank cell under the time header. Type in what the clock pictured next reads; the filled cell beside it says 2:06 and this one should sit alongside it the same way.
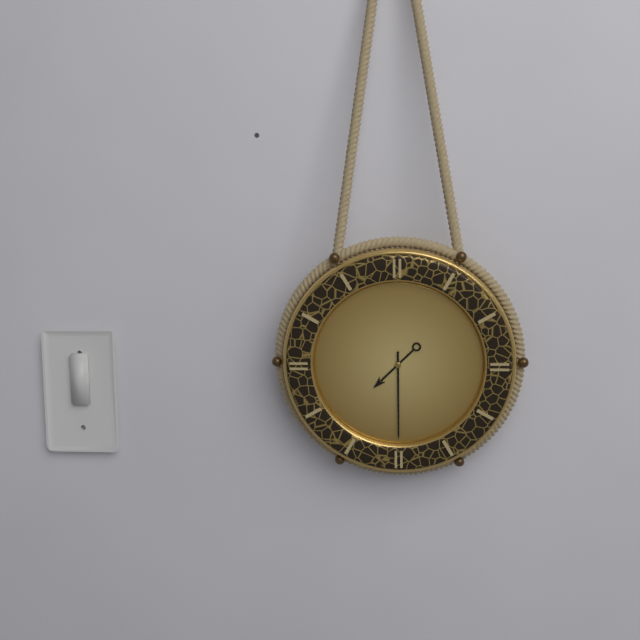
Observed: 7:30
